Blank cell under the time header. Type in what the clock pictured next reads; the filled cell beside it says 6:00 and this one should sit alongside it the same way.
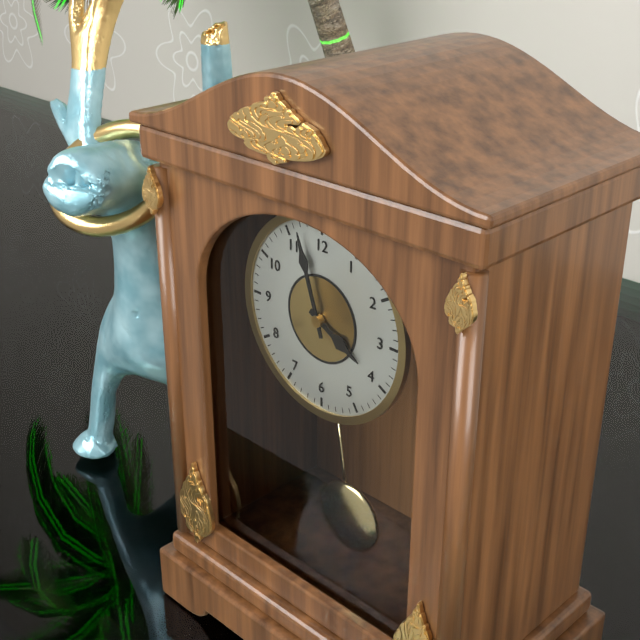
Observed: 3:57
